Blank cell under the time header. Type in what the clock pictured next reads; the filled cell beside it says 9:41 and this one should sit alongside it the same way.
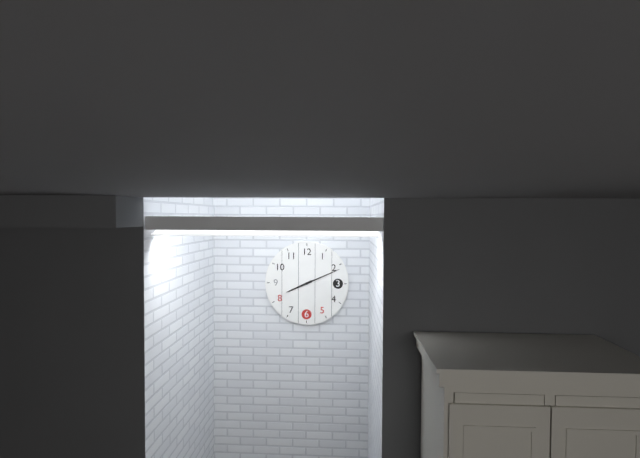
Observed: 8:11
